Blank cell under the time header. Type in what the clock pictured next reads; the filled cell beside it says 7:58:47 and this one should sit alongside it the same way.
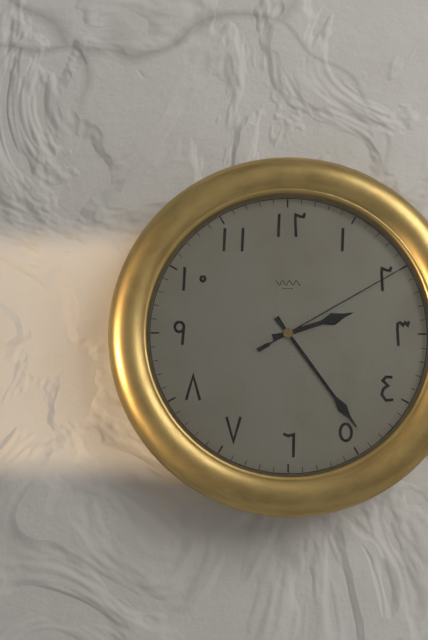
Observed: 2:24:10
